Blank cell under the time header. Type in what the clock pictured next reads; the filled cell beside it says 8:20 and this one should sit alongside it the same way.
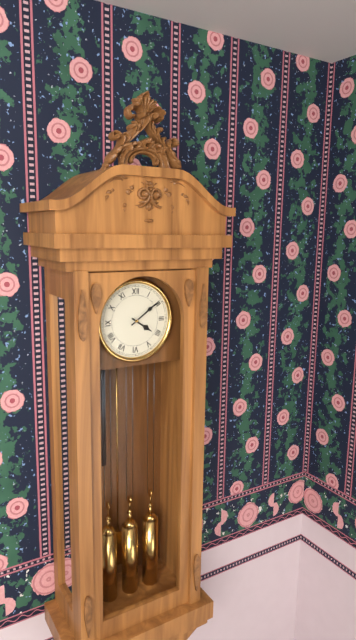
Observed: 4:09
